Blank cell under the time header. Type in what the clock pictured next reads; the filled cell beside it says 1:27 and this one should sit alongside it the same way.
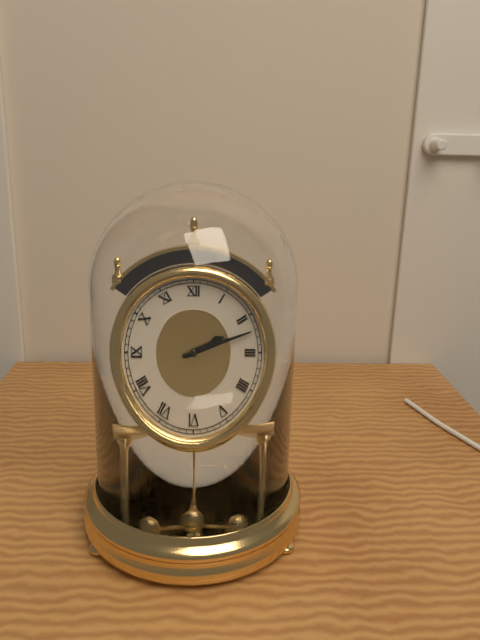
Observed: 2:12
